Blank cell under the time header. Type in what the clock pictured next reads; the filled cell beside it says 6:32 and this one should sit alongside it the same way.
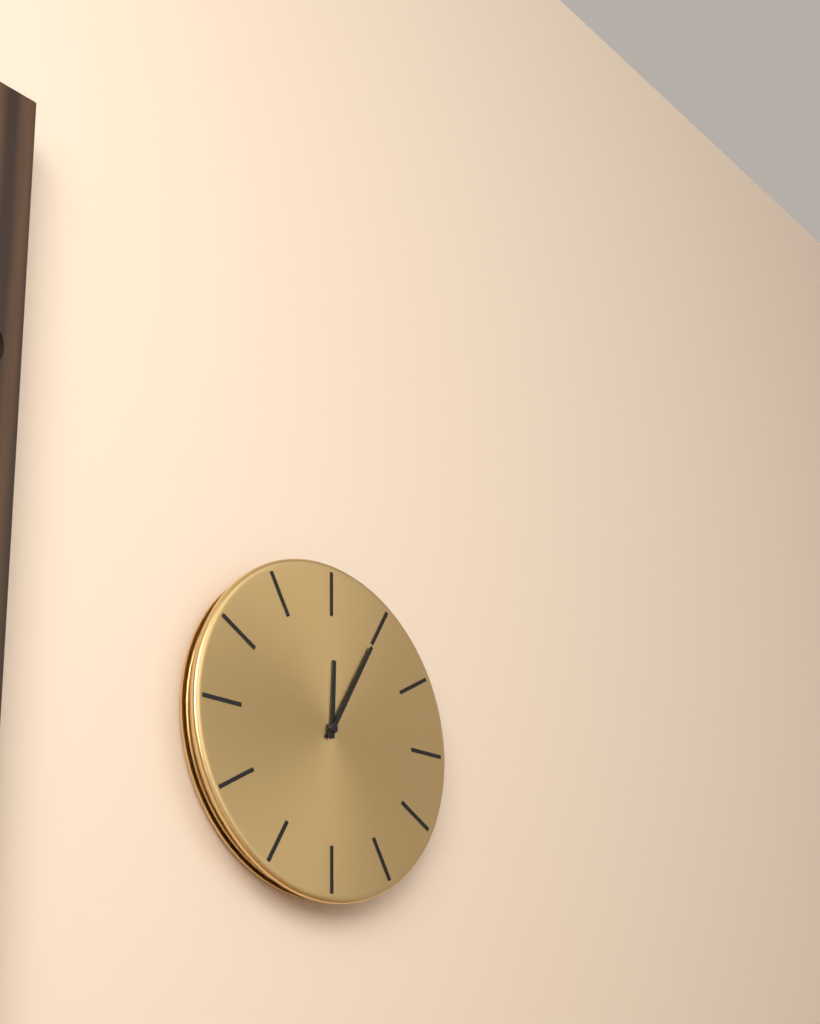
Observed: 12:05
